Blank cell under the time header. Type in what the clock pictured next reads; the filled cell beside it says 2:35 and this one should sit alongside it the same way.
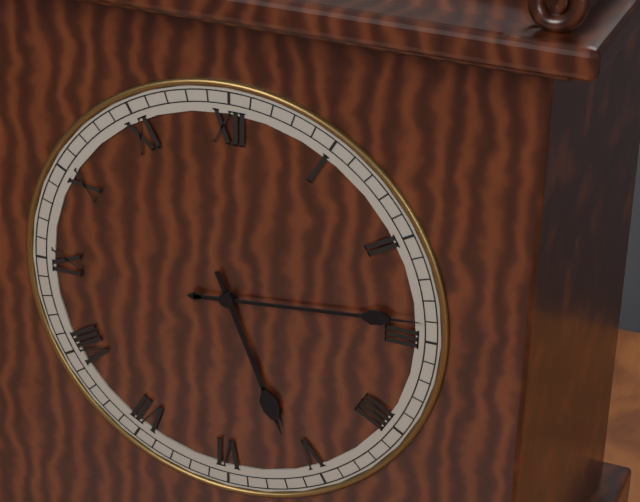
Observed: 5:14
